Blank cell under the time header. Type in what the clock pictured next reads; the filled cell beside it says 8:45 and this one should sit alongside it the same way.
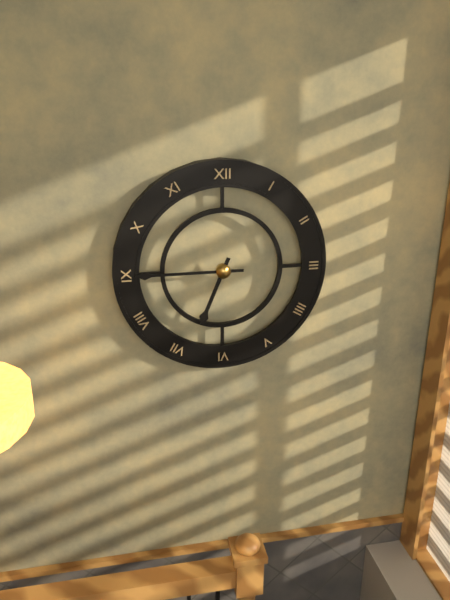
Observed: 6:45
